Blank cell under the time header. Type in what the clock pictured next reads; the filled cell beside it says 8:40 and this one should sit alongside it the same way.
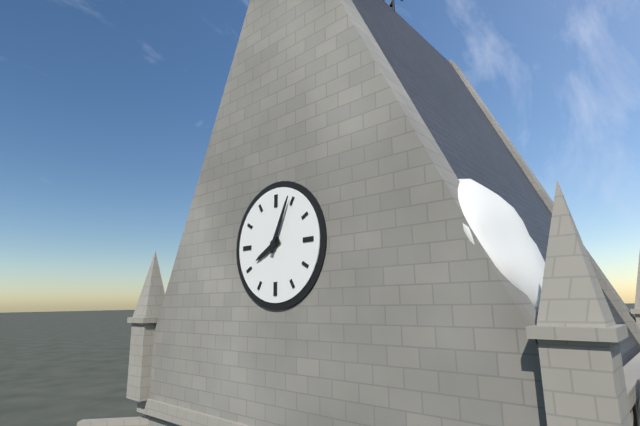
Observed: 8:04
